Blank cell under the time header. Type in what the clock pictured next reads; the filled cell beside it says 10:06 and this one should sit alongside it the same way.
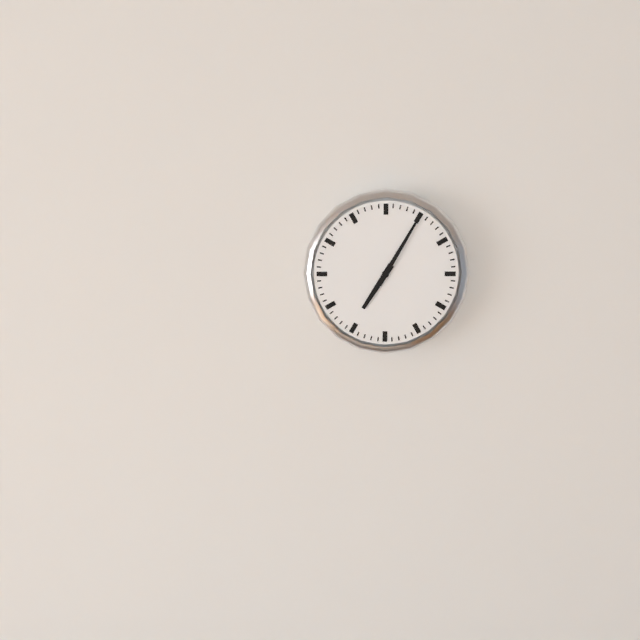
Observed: 7:05
